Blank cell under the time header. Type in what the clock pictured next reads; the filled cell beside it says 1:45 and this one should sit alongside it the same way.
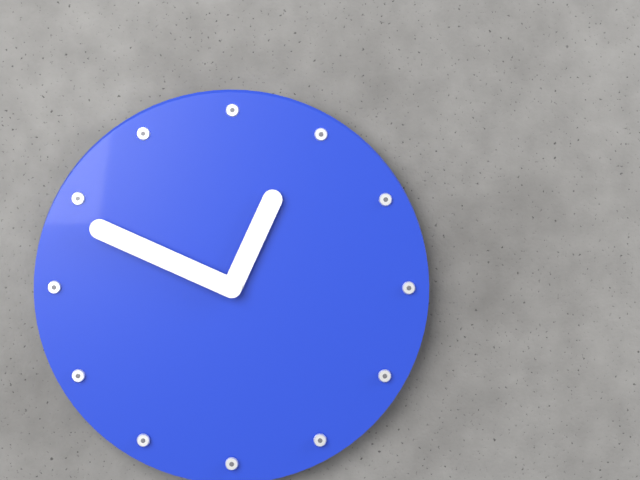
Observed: 12:49
